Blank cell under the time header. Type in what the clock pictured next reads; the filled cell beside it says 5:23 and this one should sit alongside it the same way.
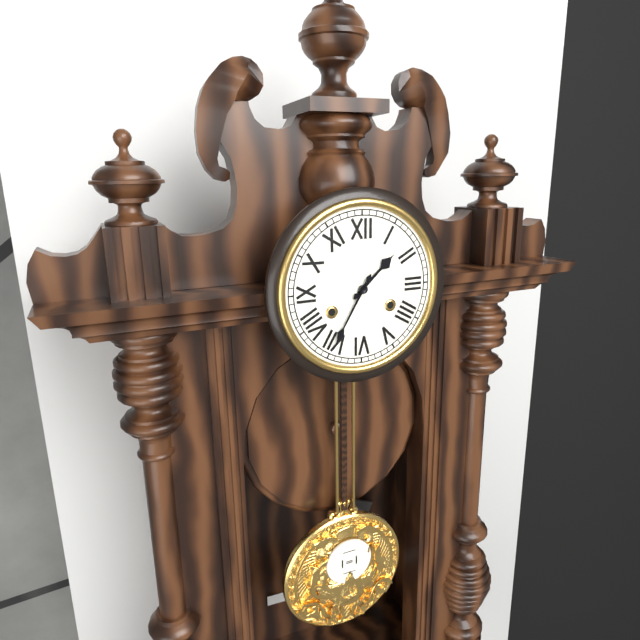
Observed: 1:35
